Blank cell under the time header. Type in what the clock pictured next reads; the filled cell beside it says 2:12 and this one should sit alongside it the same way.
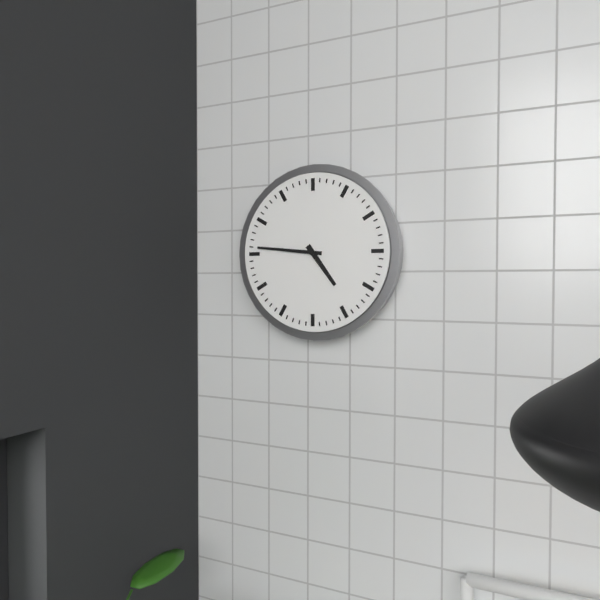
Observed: 4:46
